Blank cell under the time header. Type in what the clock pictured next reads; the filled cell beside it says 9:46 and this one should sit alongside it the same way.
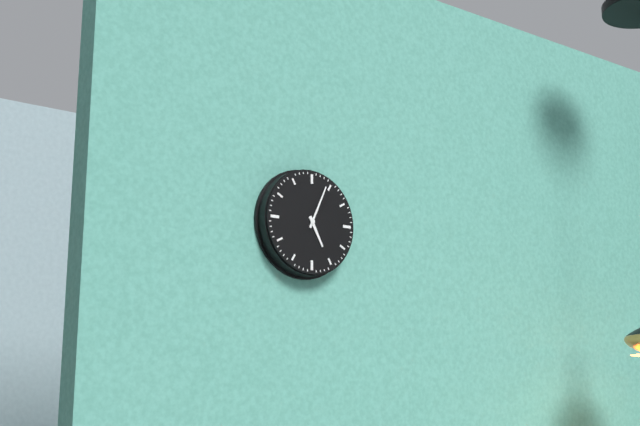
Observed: 5:04
